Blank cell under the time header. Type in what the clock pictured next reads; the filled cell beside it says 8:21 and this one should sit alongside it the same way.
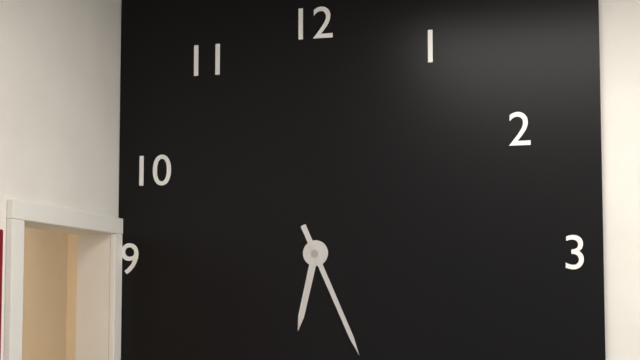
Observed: 6:26
